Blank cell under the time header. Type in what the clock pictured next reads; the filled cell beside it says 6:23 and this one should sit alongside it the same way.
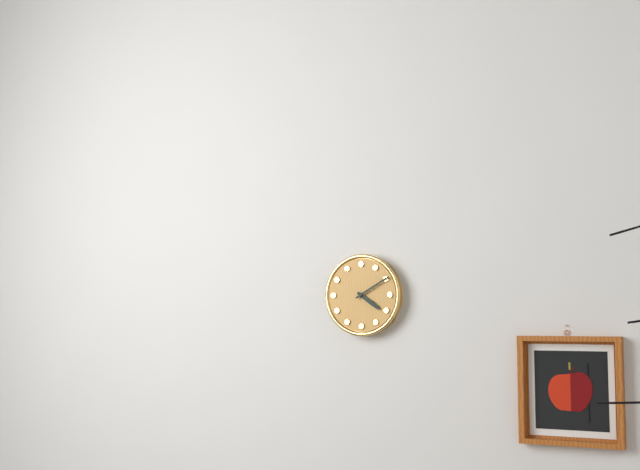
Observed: 4:10
